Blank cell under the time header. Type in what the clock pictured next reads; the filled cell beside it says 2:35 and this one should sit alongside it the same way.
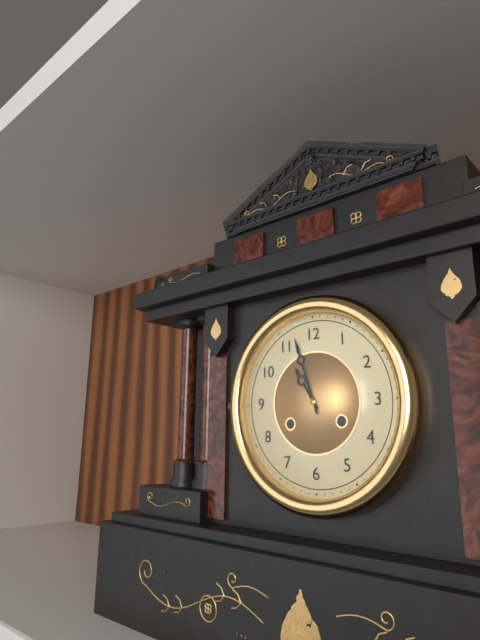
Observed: 10:57
